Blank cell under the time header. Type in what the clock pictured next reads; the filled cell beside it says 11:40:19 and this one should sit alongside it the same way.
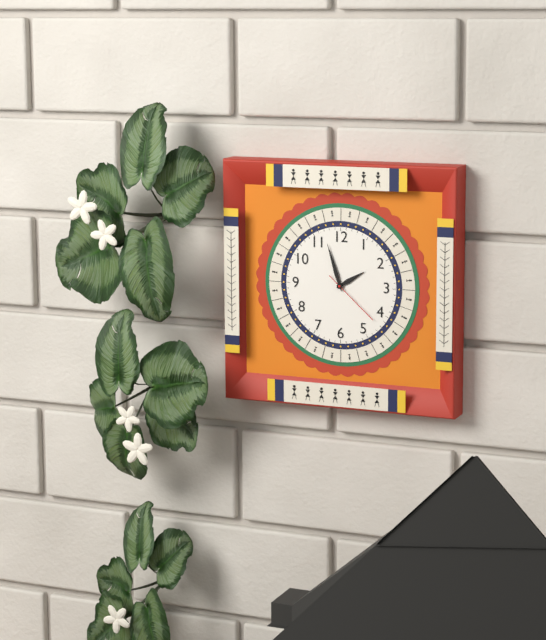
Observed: 1:57:22
